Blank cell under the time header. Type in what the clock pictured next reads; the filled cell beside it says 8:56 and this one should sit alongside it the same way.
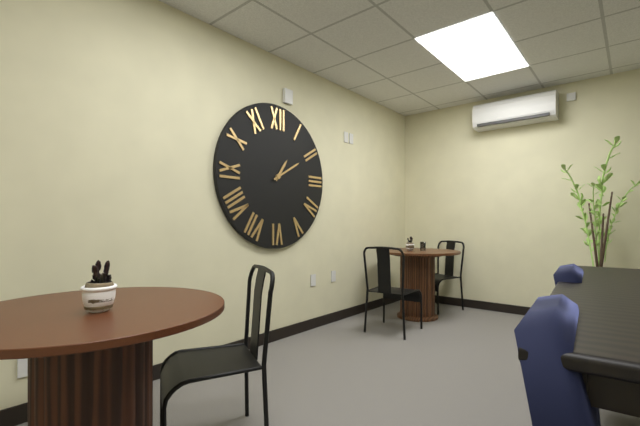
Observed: 1:10
